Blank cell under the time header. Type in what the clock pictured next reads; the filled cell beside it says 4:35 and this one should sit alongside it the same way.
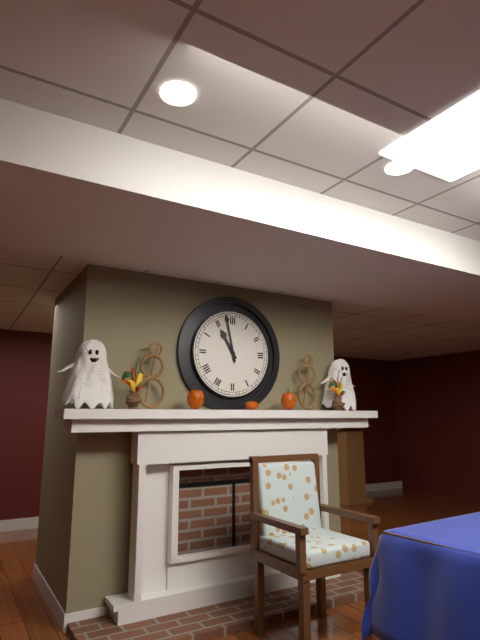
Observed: 10:58
